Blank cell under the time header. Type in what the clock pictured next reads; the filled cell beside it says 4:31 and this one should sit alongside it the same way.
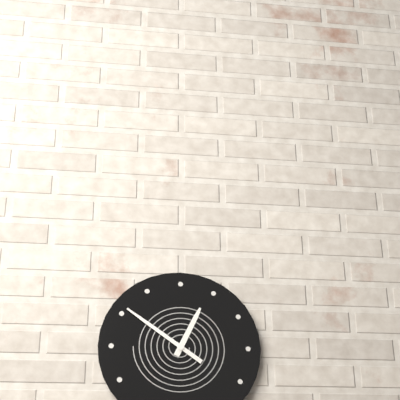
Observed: 12:51
